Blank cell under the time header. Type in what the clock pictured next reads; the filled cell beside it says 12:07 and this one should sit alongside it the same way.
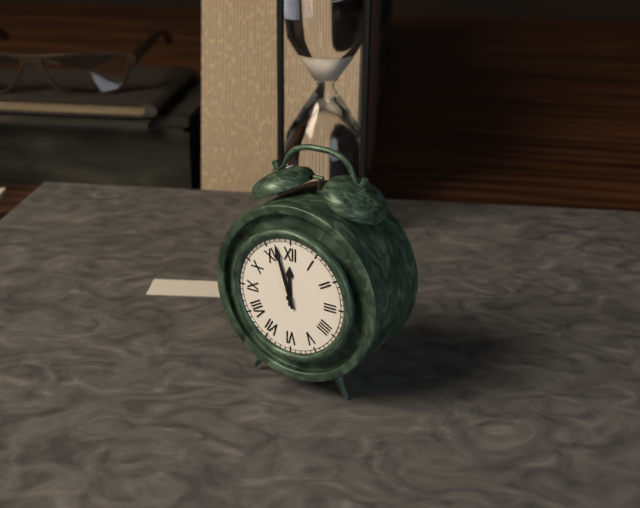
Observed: 11:57
